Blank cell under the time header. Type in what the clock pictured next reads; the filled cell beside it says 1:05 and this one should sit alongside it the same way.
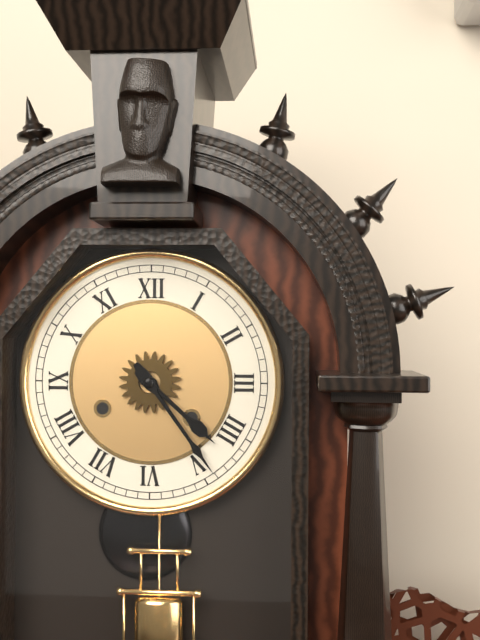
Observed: 4:24
